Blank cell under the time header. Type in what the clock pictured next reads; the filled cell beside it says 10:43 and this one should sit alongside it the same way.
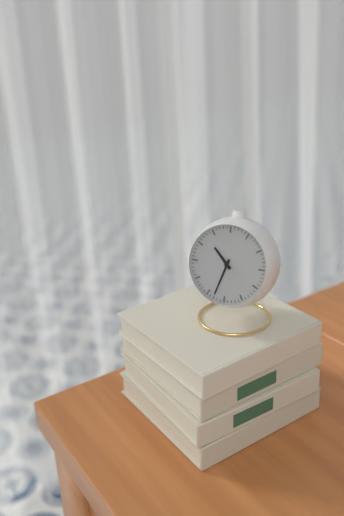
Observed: 10:33
